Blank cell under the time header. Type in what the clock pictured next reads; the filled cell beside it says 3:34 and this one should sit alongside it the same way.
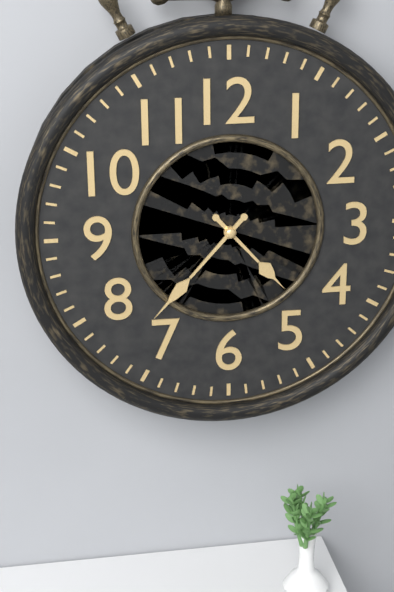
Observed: 4:37
